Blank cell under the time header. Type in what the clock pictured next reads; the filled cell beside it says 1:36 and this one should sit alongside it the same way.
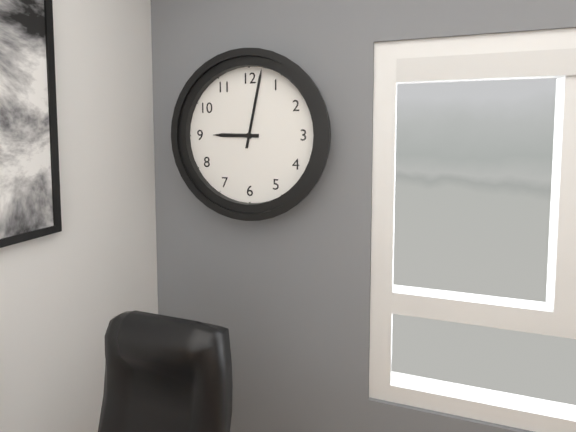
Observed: 9:02
